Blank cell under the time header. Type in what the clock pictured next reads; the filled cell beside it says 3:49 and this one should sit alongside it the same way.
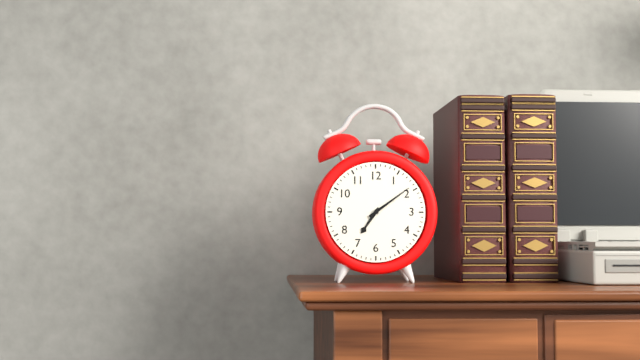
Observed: 7:09
